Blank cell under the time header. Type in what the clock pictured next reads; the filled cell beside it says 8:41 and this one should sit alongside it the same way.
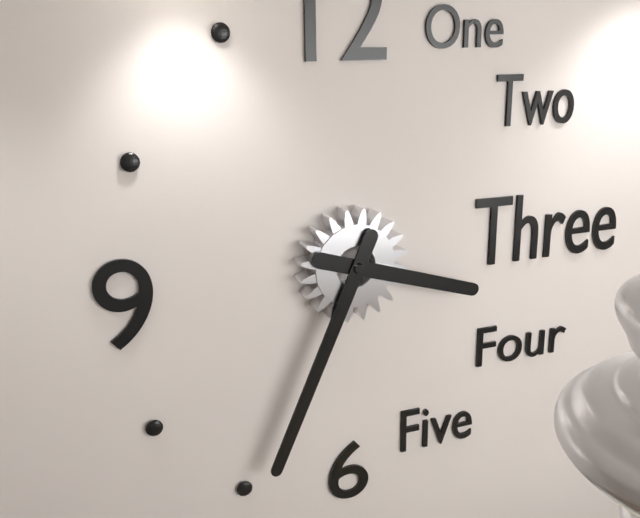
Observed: 3:34
